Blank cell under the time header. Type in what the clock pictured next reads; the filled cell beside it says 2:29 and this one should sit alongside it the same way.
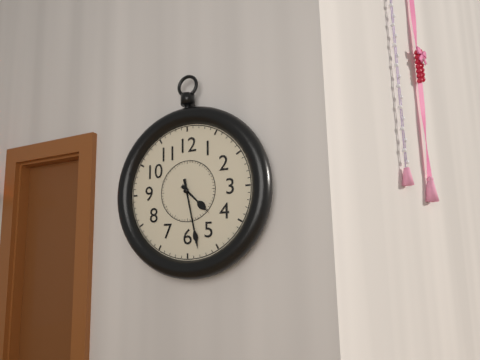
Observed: 4:28
